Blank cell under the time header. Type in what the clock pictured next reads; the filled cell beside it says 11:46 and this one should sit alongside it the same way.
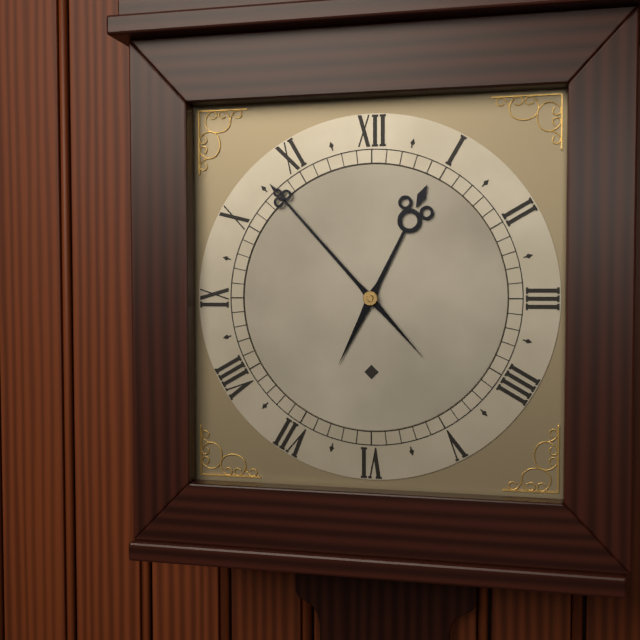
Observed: 12:53
